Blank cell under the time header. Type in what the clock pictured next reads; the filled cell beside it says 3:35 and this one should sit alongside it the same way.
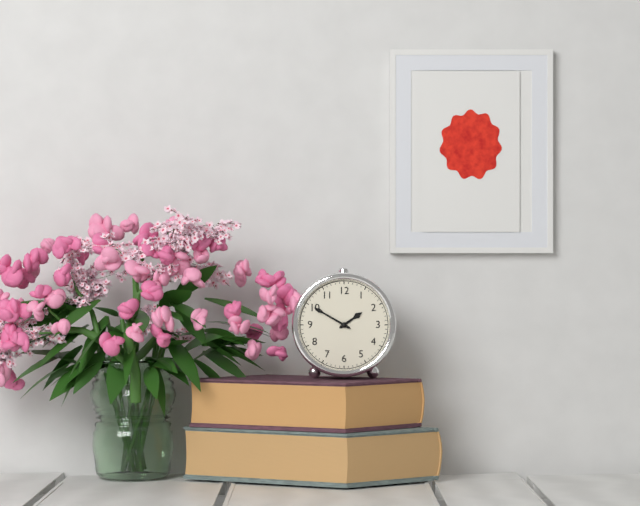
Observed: 1:50
